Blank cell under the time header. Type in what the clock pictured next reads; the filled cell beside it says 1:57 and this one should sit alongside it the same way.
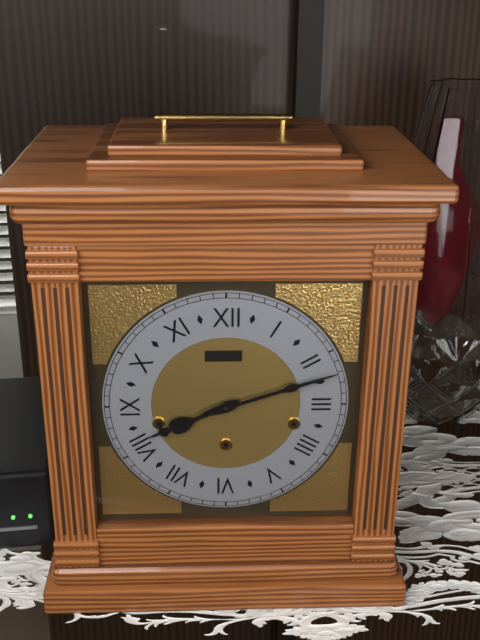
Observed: 8:12
